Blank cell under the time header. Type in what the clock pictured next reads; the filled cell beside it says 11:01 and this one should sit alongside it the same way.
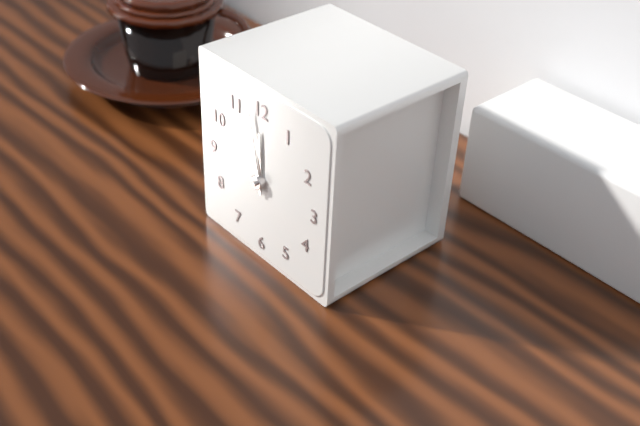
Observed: 11:58
